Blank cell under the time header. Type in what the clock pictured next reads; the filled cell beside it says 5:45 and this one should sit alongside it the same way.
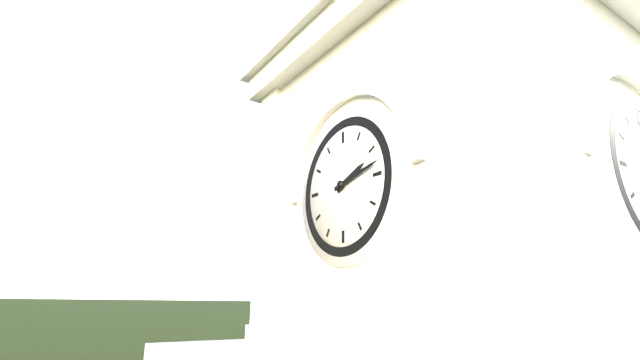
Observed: 2:13
